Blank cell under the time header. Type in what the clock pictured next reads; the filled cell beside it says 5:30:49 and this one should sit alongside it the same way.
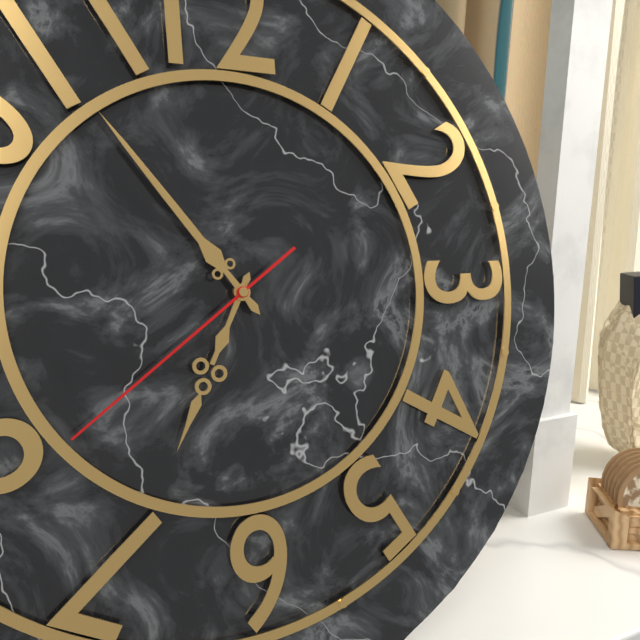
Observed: 6:54:39
